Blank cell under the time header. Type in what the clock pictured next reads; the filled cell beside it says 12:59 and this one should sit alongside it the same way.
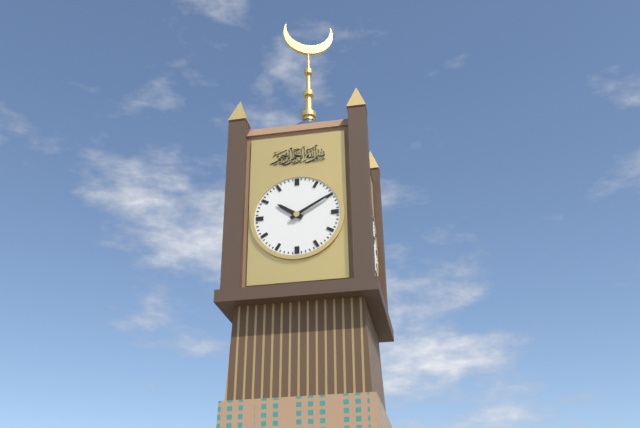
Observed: 10:10
